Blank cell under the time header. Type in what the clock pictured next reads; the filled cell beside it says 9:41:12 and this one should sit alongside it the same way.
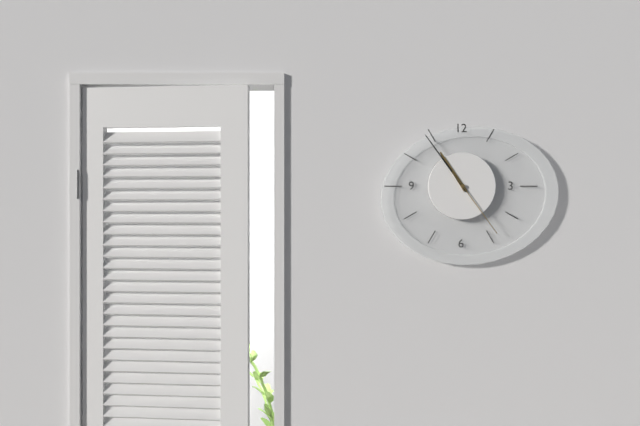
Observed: 10:54:24
